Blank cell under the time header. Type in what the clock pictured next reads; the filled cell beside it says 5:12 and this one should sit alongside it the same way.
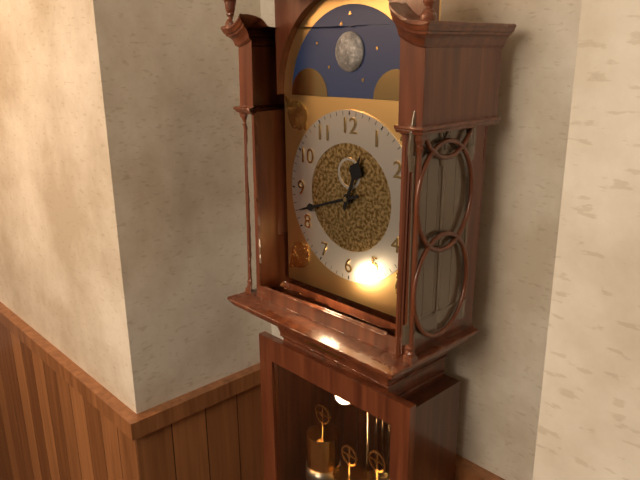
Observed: 12:42
